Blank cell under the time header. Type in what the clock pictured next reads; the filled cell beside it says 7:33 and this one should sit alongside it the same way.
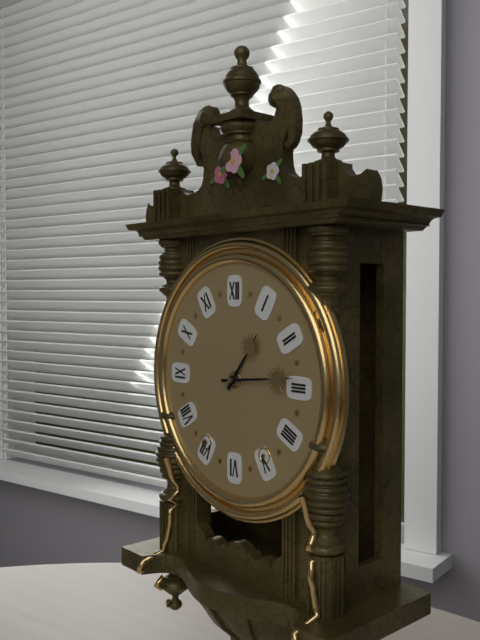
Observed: 1:14
